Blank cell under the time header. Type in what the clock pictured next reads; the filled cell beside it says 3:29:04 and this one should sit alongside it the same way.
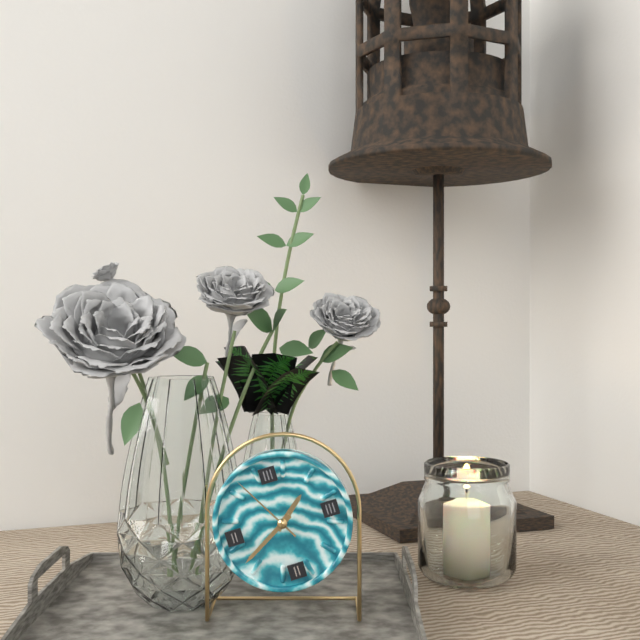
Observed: 1:40:55
